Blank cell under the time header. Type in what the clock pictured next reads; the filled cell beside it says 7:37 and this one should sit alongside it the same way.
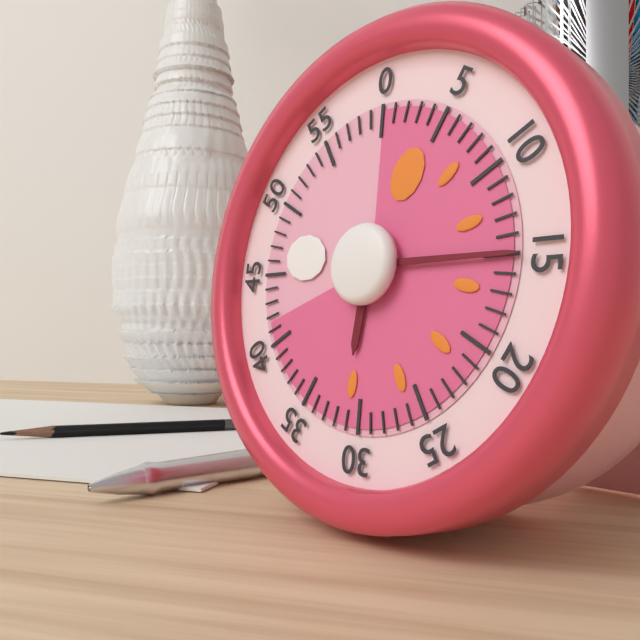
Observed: 6:15
